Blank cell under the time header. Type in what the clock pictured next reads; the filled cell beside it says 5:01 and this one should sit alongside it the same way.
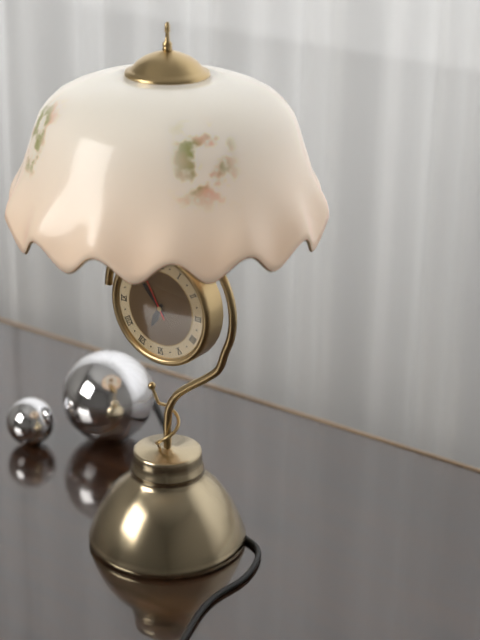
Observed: 6:53
